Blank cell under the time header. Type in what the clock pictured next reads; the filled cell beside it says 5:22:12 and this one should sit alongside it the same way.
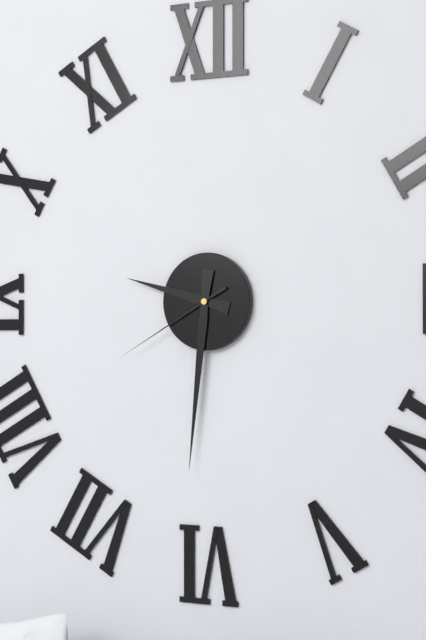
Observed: 9:31:40
